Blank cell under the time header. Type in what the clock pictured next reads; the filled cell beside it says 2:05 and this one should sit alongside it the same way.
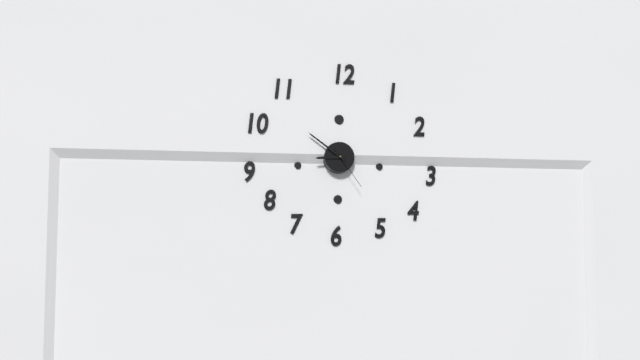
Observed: 8:51
